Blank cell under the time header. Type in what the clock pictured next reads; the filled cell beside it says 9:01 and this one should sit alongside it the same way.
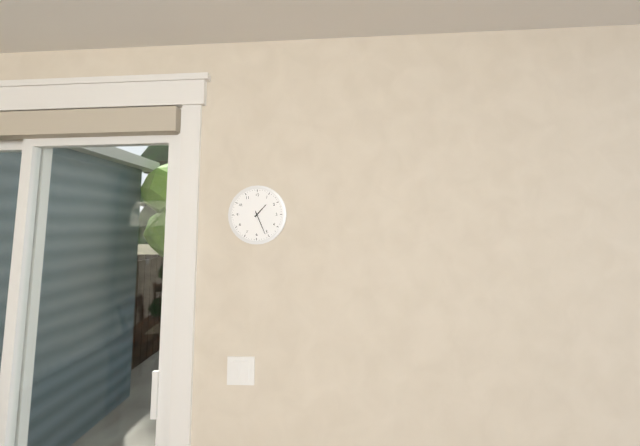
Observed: 1:26
